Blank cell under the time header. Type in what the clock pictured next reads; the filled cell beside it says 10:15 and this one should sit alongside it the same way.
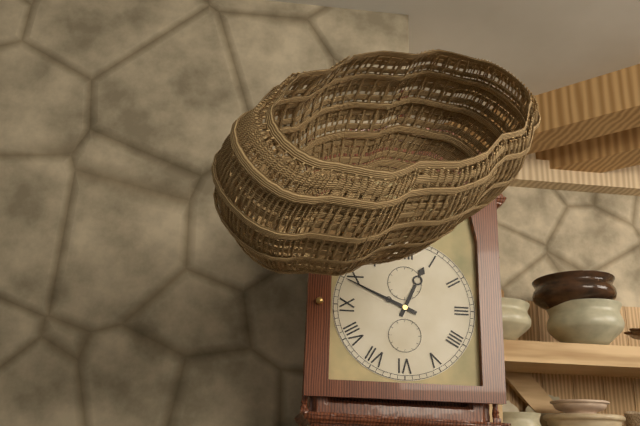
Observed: 12:49
